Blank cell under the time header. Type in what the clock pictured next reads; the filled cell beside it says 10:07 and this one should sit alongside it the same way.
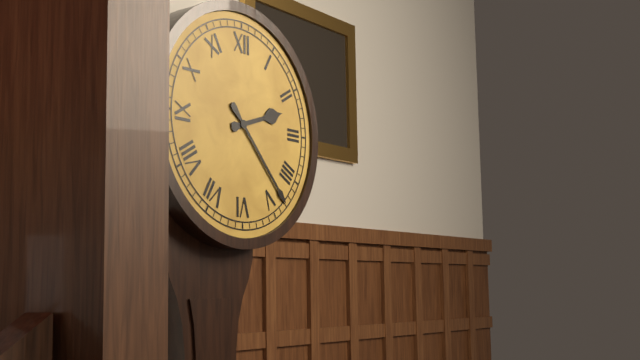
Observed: 2:23
